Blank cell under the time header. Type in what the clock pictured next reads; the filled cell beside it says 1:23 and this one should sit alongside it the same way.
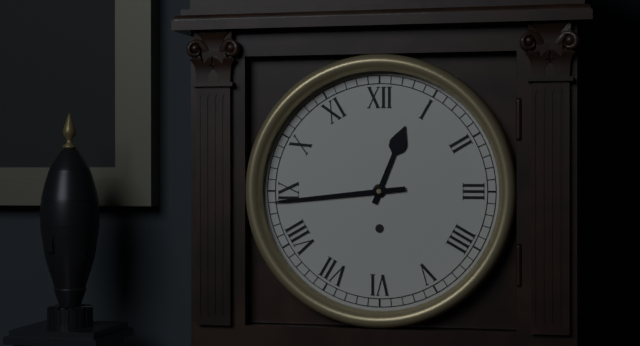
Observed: 12:44
